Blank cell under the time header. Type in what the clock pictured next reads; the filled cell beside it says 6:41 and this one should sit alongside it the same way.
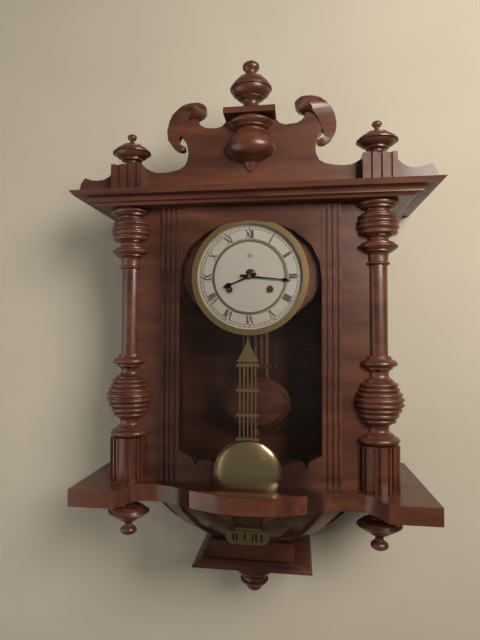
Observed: 8:16
